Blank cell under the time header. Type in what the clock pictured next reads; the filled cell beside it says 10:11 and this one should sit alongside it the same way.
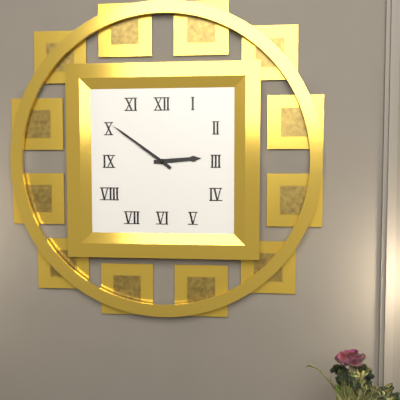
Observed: 2:51
